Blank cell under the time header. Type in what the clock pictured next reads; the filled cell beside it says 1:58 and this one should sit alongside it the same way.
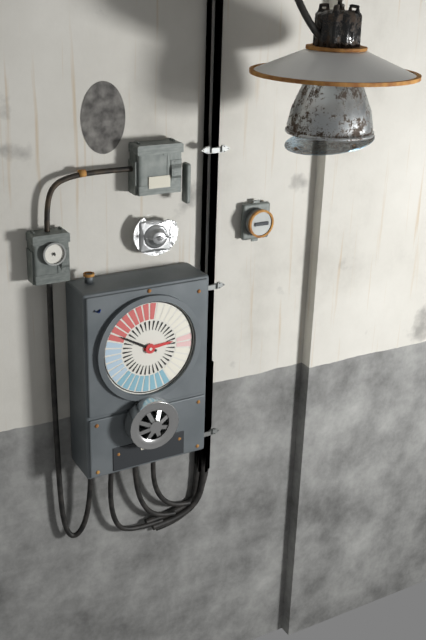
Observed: 2:50
